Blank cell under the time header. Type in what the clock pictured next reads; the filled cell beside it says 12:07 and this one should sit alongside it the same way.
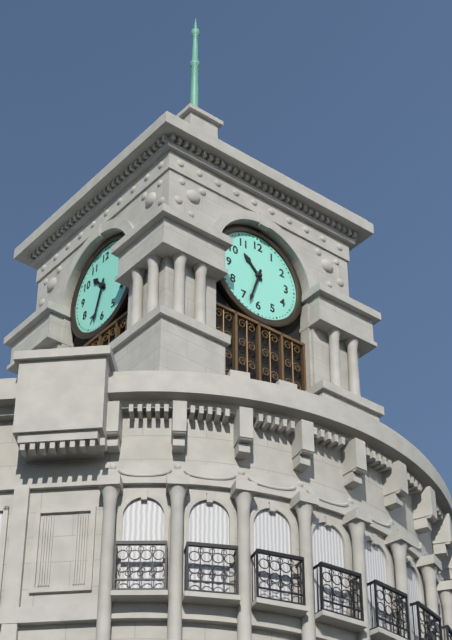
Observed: 10:33
